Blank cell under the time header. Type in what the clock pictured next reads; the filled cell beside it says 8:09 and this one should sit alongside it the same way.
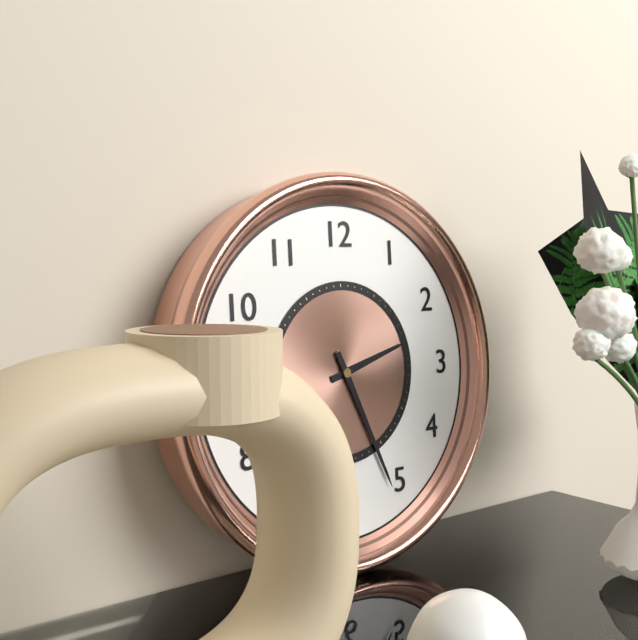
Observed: 2:26
